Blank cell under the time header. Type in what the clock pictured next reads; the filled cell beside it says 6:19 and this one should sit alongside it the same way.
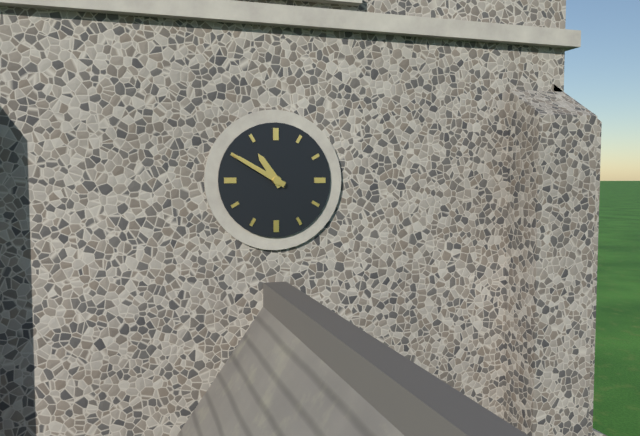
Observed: 10:50
